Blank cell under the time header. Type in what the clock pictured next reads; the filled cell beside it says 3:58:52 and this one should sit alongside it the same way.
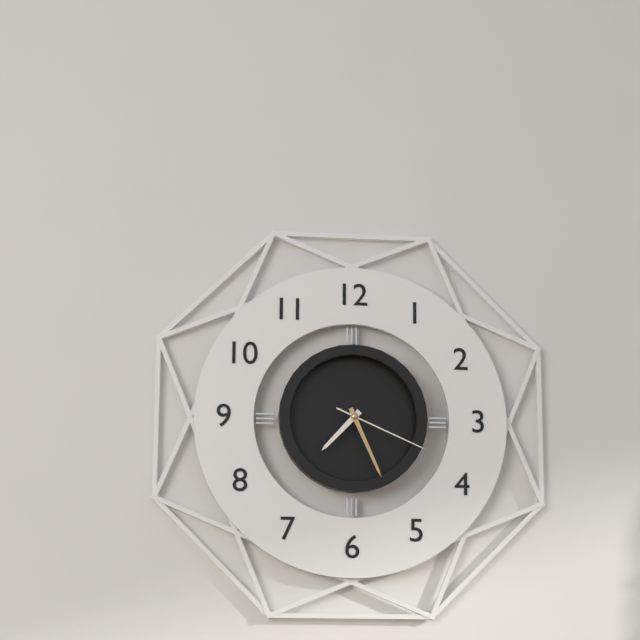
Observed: 7:26:19
